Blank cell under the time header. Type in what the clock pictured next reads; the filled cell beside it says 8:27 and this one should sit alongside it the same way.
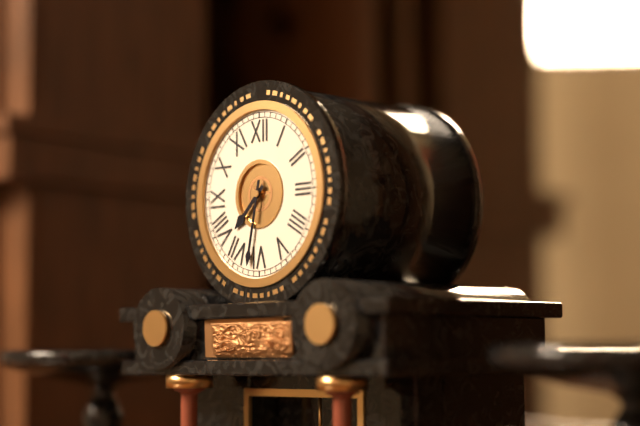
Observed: 7:32
